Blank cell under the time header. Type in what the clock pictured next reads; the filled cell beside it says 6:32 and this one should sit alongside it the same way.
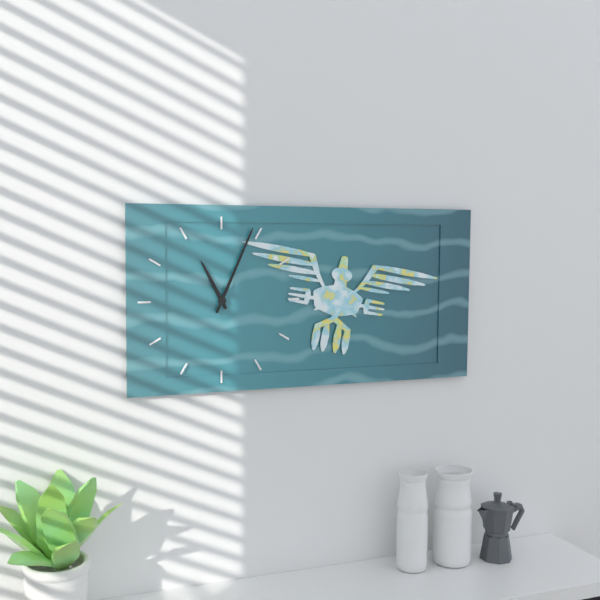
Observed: 11:04
